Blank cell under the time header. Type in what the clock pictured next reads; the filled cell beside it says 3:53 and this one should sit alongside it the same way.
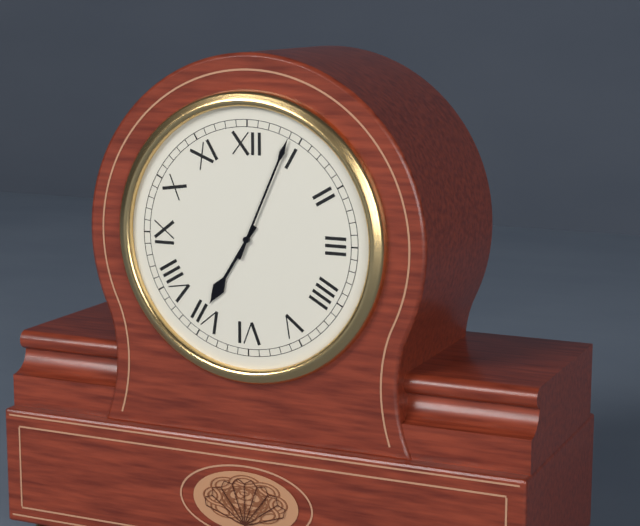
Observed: 7:04
